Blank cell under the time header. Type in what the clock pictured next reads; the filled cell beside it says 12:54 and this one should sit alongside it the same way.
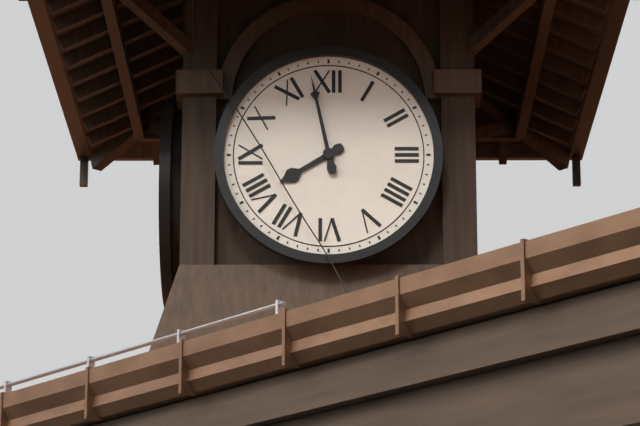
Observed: 7:58
